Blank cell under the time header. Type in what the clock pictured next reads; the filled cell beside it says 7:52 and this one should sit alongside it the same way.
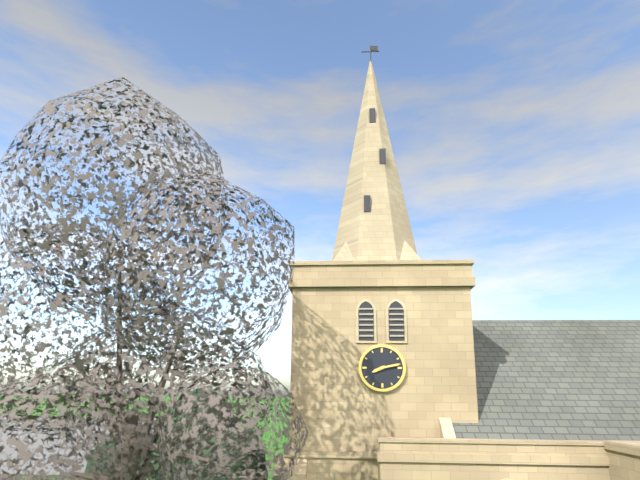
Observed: 8:13
